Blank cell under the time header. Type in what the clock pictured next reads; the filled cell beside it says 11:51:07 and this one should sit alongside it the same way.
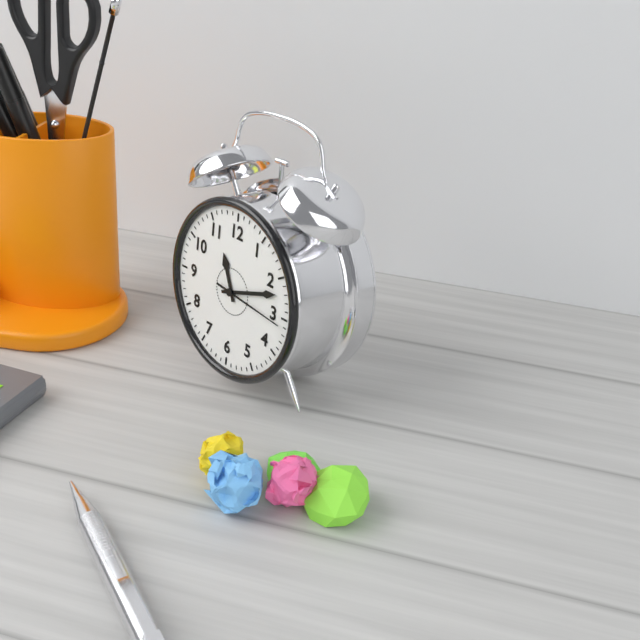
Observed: 11:12:16
